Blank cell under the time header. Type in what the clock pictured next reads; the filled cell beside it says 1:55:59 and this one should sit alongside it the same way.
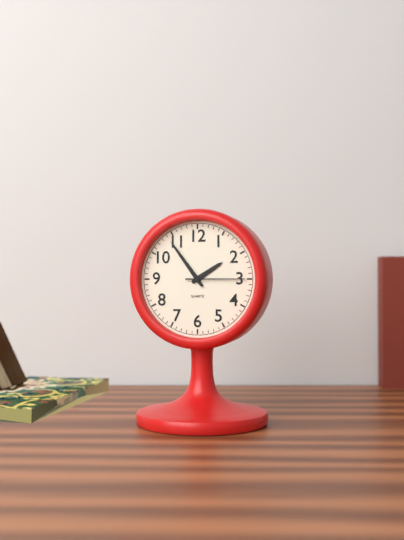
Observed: 1:54:15
